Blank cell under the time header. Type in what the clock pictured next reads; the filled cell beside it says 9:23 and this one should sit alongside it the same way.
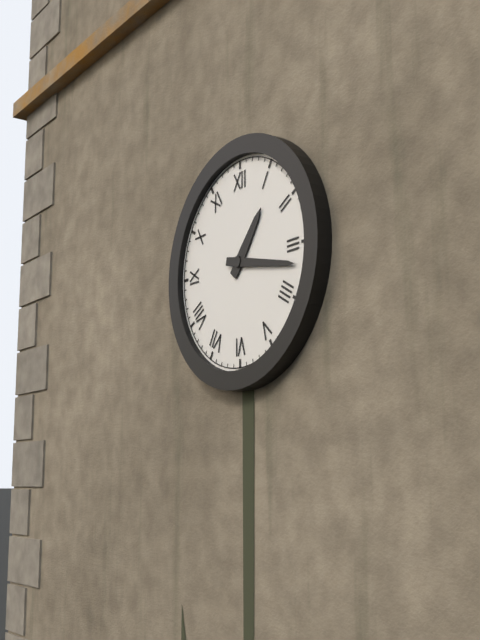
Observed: 1:17
